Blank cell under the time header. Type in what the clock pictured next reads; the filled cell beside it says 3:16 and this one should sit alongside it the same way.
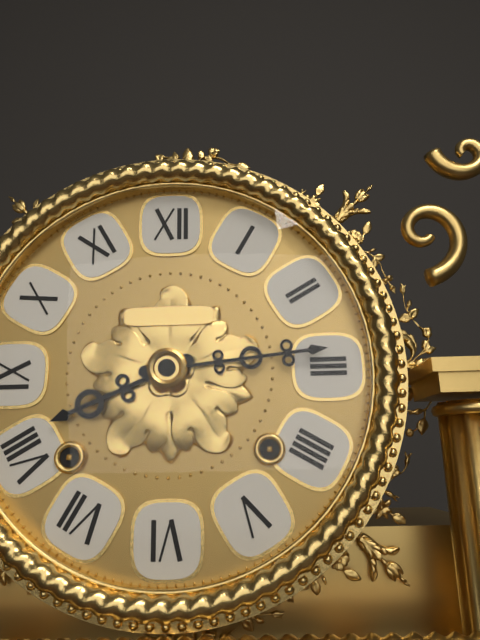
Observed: 8:14
